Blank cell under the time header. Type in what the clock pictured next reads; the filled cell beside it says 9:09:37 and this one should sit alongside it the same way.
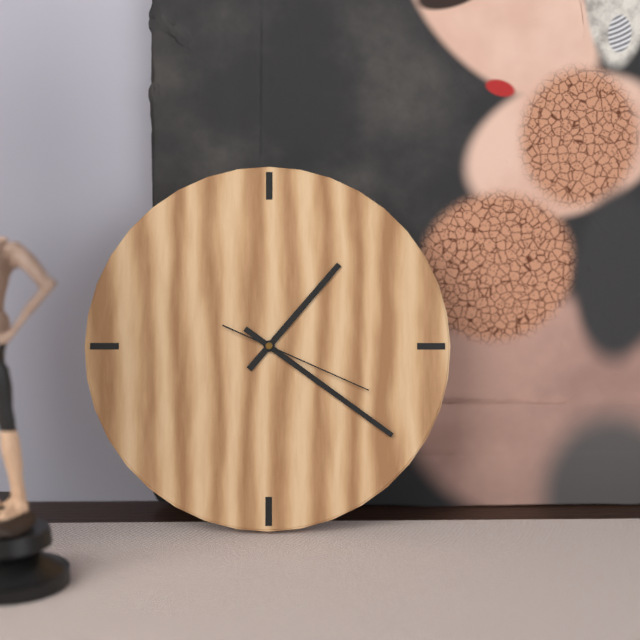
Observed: 1:21:19
